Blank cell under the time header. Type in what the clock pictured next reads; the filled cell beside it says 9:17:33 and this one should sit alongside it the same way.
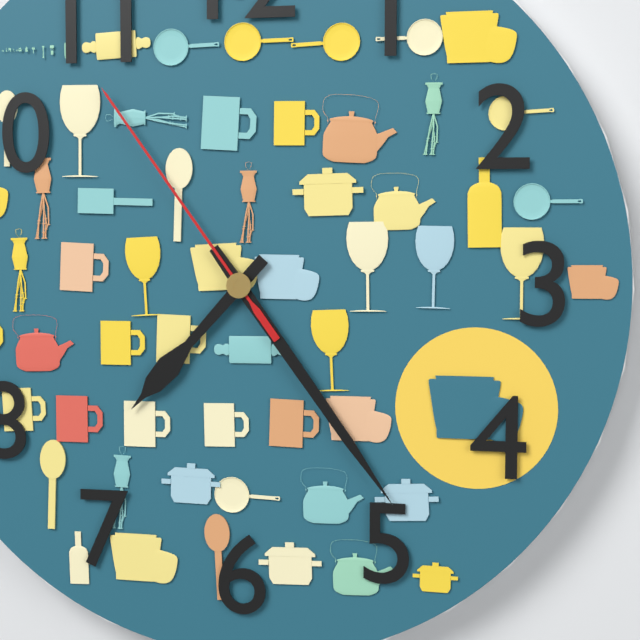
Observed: 7:24:54
